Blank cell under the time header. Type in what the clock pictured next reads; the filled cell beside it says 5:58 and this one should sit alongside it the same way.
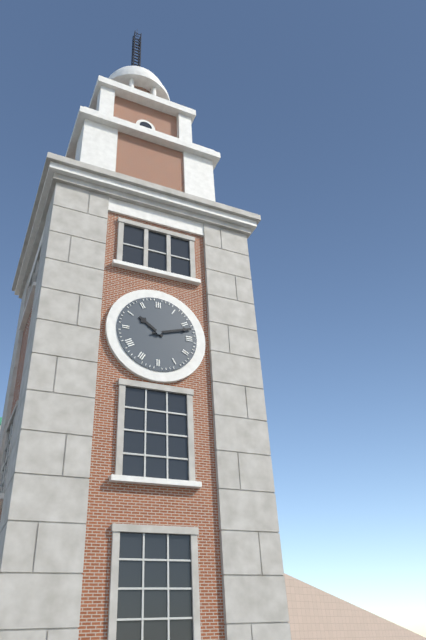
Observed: 10:12
